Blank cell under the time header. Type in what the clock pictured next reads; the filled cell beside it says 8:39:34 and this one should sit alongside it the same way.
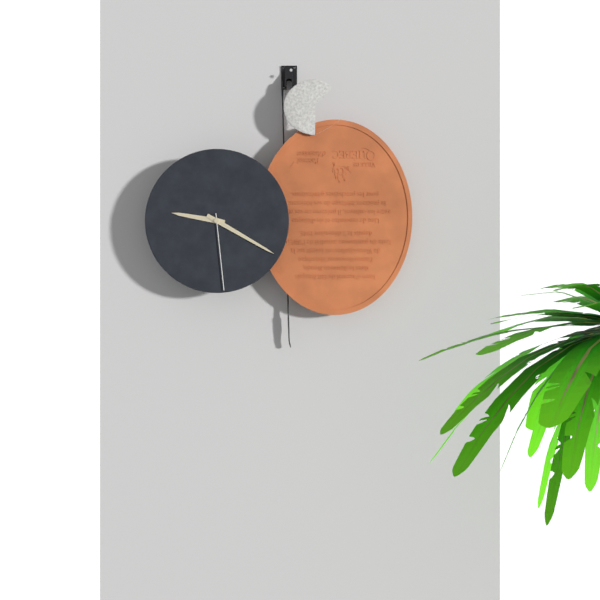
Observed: 9:20:29
